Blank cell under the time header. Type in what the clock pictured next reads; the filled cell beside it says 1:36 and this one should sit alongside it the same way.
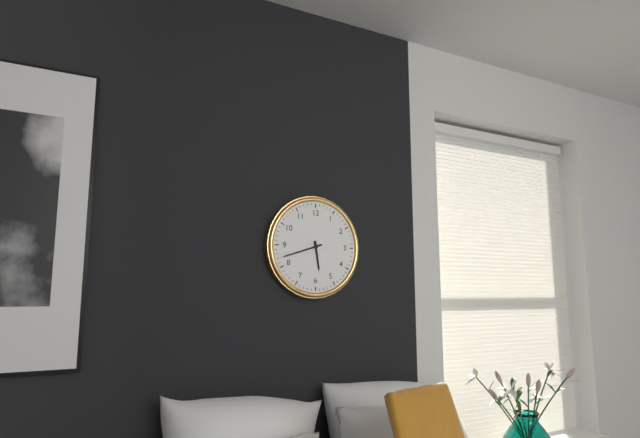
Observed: 5:42
